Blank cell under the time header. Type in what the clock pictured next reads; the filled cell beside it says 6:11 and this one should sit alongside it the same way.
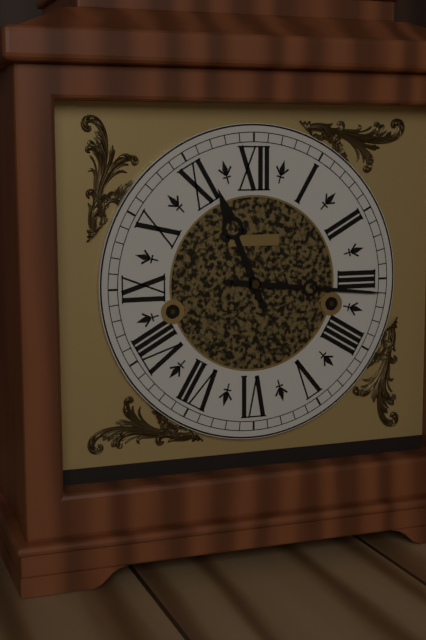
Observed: 11:16
